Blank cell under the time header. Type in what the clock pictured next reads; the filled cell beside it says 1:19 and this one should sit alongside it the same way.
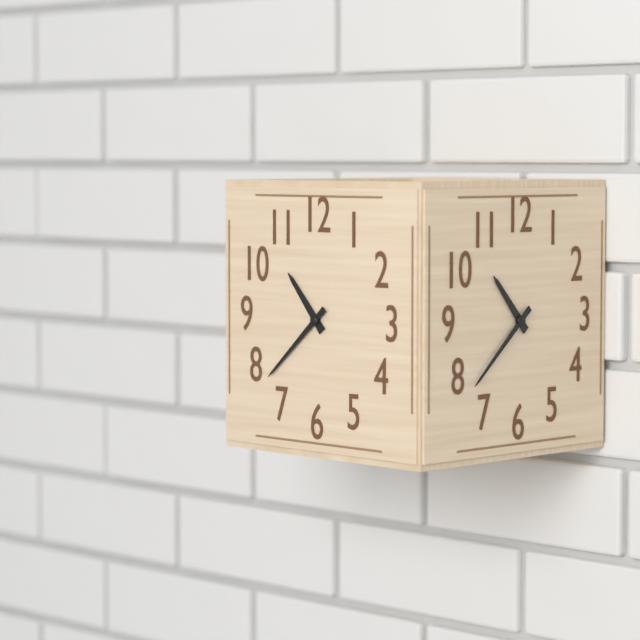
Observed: 10:38
